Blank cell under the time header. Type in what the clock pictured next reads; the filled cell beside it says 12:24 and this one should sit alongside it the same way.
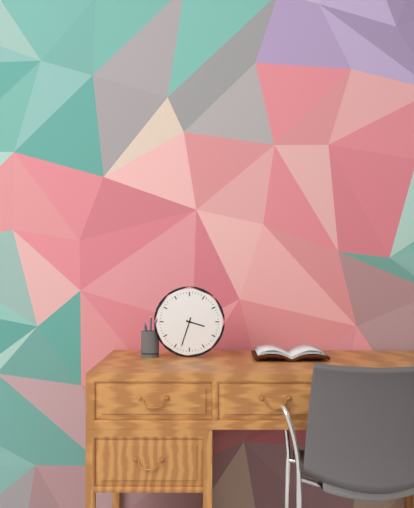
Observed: 3:33
